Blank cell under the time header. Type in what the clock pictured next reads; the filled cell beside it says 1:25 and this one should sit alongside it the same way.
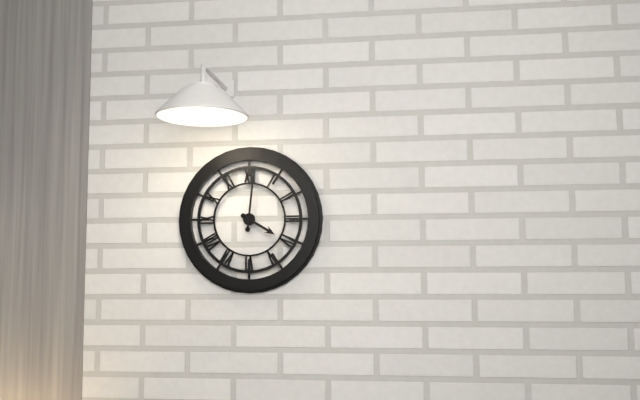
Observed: 4:01
